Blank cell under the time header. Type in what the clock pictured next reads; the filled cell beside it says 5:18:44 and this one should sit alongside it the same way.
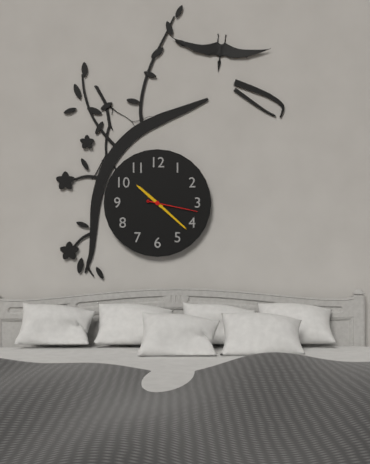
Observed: 10:22:17
